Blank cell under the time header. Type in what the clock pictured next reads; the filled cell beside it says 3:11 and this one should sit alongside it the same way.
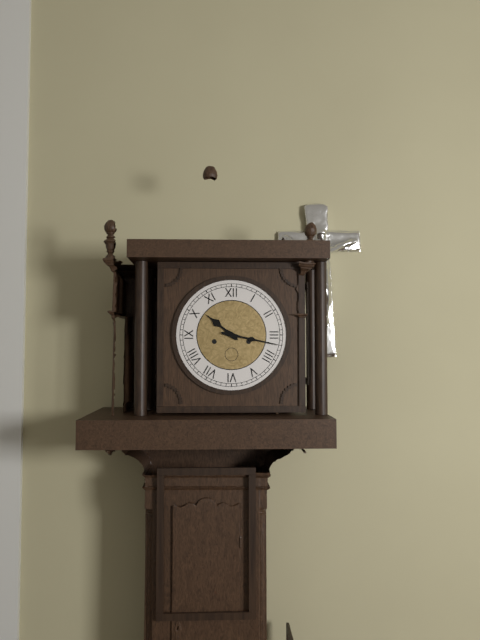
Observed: 10:17
